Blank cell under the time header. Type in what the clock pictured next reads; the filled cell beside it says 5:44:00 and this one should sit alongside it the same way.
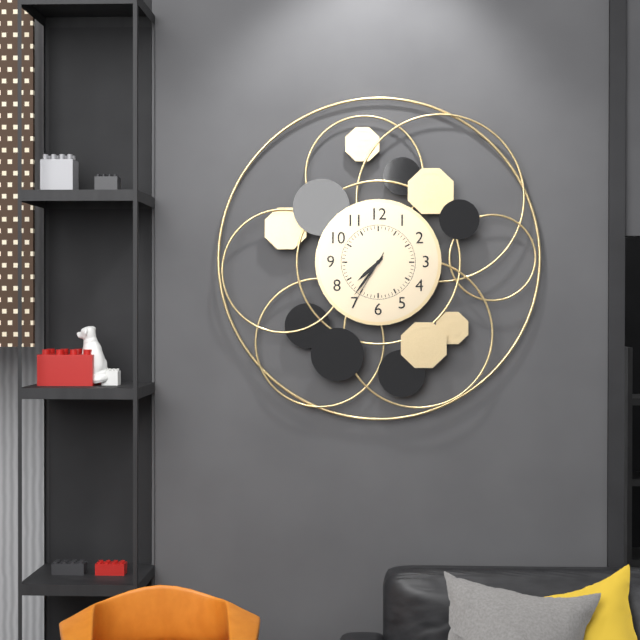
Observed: 7:36:35
